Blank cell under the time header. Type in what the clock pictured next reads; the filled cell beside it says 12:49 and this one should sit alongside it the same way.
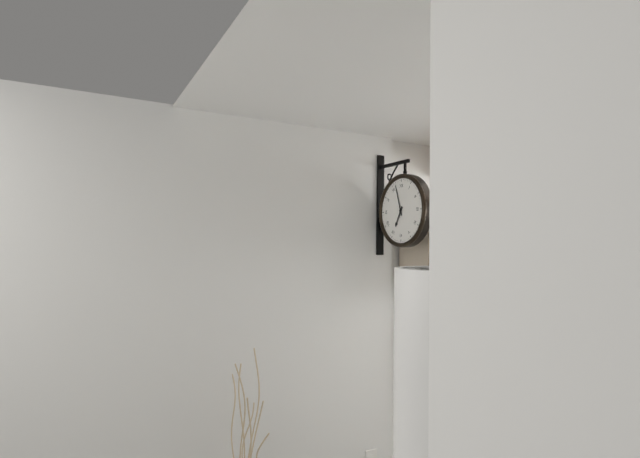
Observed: 6:57
